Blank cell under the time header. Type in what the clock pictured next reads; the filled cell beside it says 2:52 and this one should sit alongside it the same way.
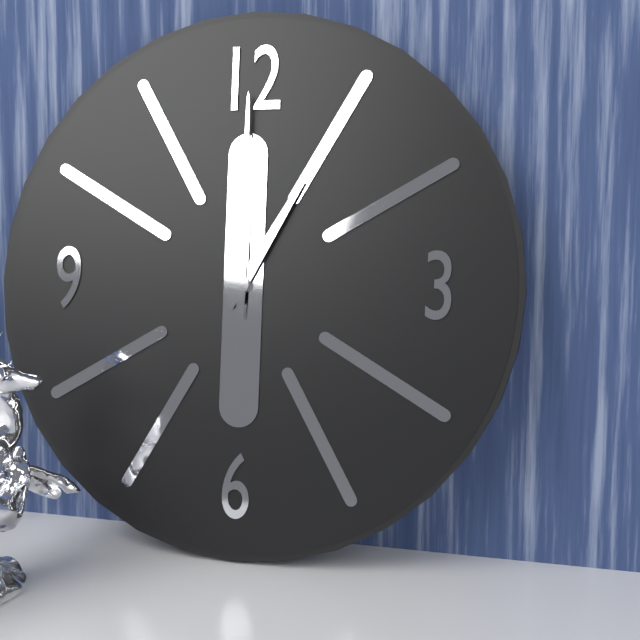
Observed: 1:00
